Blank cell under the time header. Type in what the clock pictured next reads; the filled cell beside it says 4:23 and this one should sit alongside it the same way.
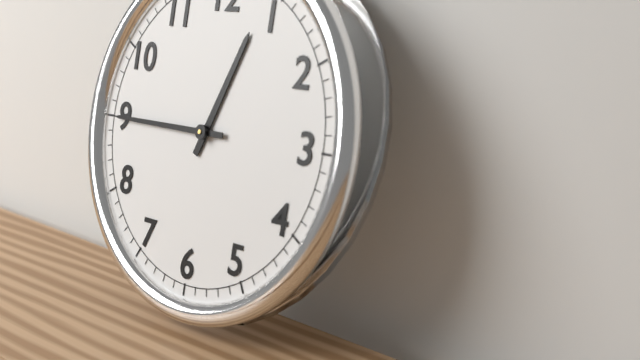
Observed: 12:45
